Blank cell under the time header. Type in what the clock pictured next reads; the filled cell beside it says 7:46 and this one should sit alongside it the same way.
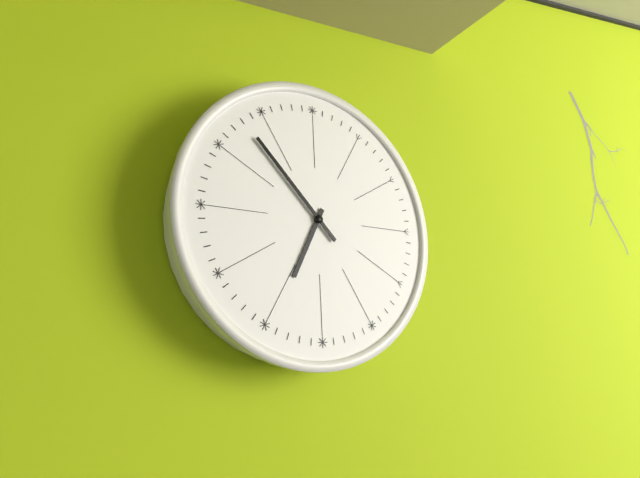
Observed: 6:53
